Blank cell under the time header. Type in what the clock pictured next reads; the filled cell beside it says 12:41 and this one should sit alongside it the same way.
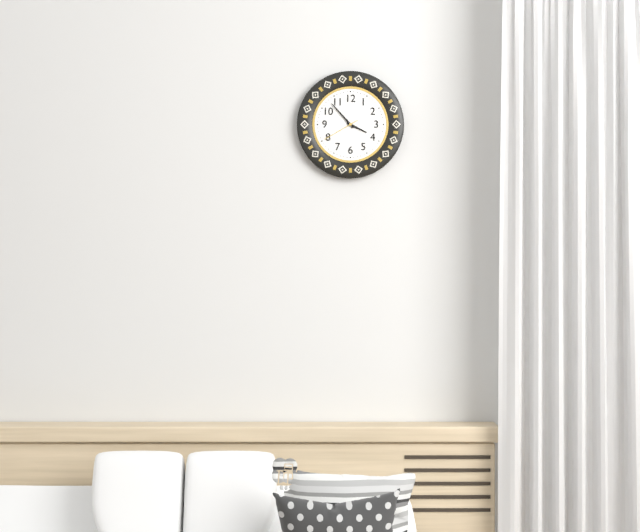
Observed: 3:53
